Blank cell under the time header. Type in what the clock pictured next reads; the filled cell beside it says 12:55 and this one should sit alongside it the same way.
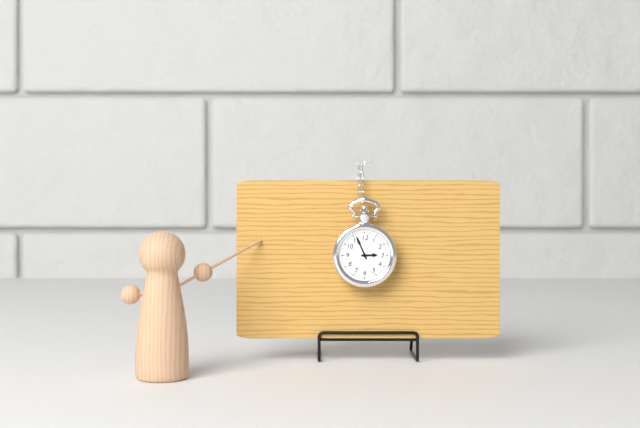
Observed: 2:56
